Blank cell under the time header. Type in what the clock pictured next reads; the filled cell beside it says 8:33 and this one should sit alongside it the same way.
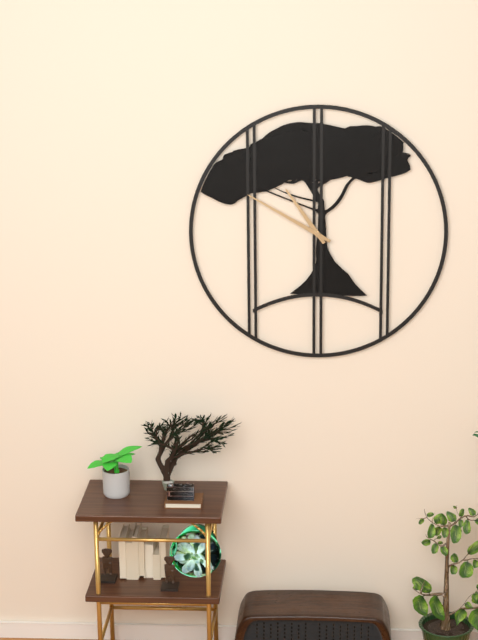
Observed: 10:50
